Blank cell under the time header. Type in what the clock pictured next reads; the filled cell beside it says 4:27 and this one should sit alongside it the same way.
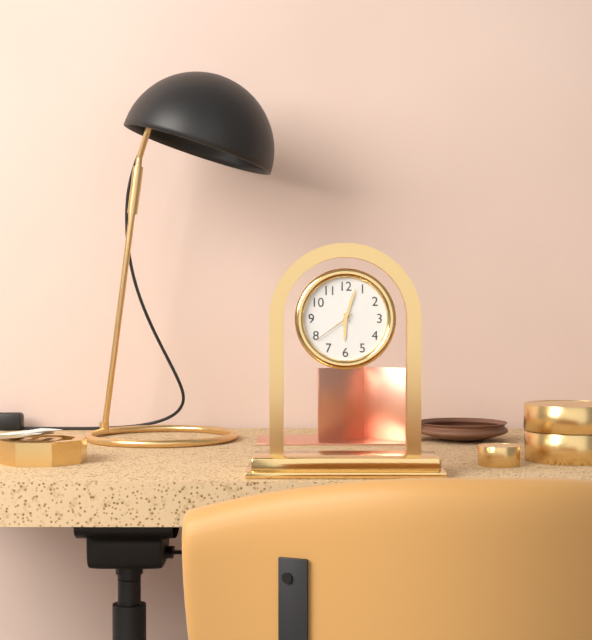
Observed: 6:03
